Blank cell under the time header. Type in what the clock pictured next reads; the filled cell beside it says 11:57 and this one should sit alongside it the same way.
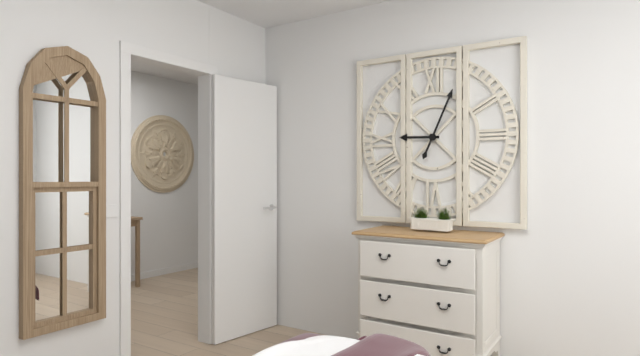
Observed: 9:04
